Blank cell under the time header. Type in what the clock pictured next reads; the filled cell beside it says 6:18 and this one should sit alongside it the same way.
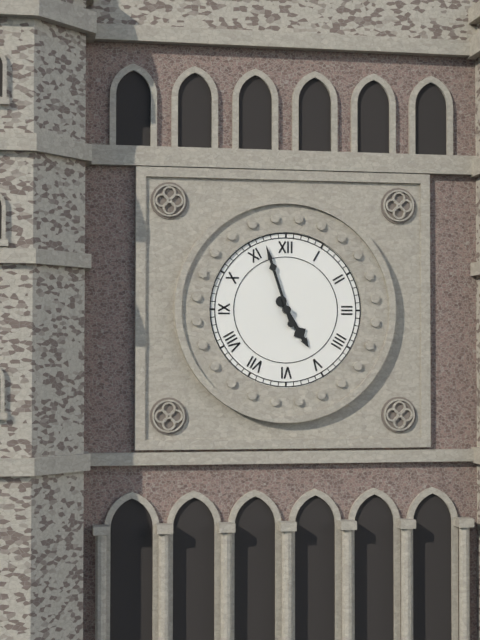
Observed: 4:57
